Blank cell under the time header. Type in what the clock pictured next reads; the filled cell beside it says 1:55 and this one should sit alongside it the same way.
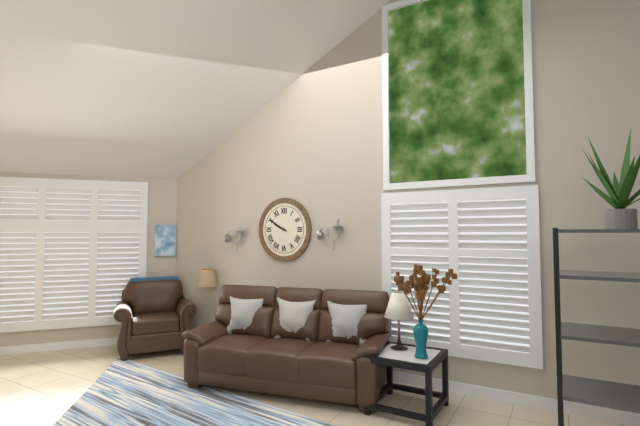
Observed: 9:50
